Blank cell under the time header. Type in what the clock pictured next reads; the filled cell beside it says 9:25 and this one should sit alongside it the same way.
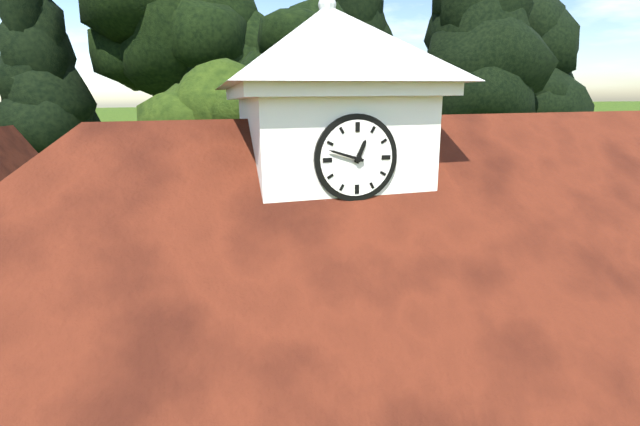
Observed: 12:48
